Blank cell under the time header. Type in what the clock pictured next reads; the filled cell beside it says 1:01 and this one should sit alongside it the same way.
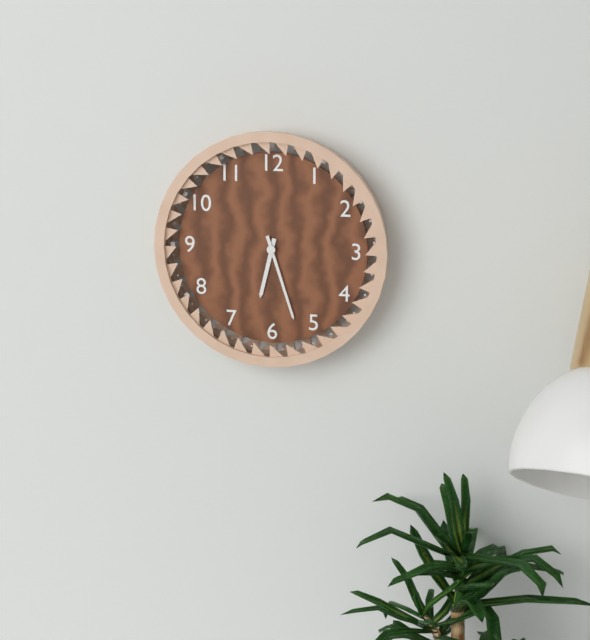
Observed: 6:27
